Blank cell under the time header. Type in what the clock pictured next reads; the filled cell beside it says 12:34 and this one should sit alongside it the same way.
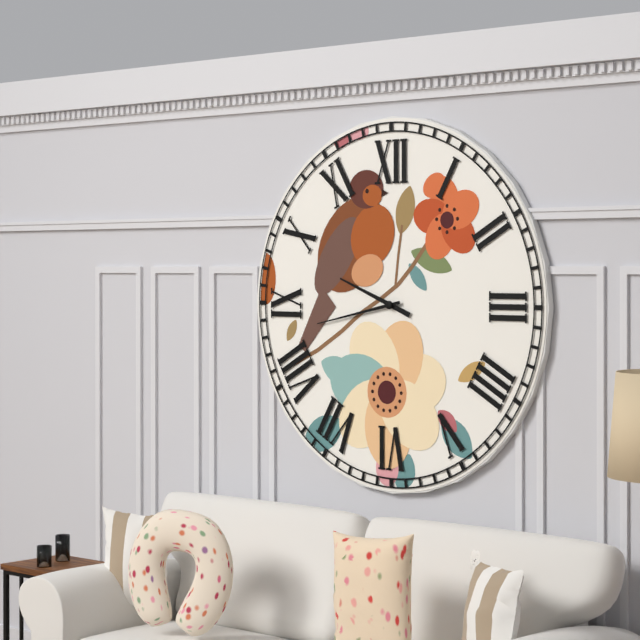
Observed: 9:43
